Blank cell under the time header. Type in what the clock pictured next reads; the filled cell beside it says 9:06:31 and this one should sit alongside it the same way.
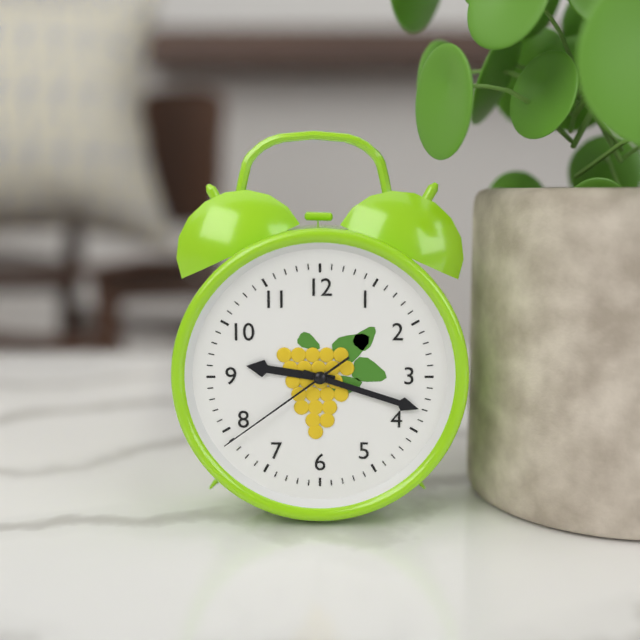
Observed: 9:18:39
